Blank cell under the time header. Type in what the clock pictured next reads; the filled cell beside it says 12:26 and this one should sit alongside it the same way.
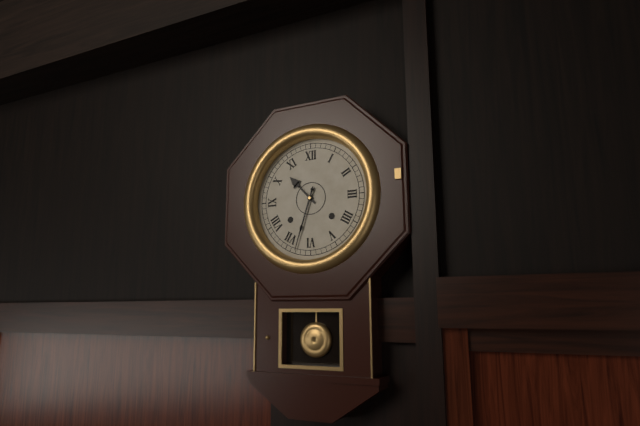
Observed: 10:33
